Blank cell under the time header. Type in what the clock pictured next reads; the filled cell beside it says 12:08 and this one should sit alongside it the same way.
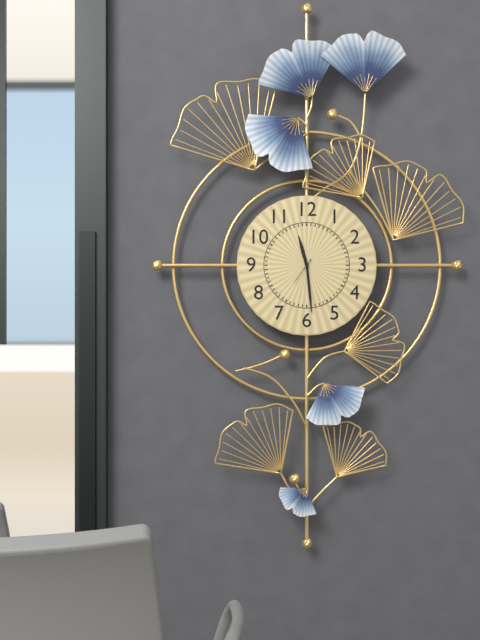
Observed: 11:29
